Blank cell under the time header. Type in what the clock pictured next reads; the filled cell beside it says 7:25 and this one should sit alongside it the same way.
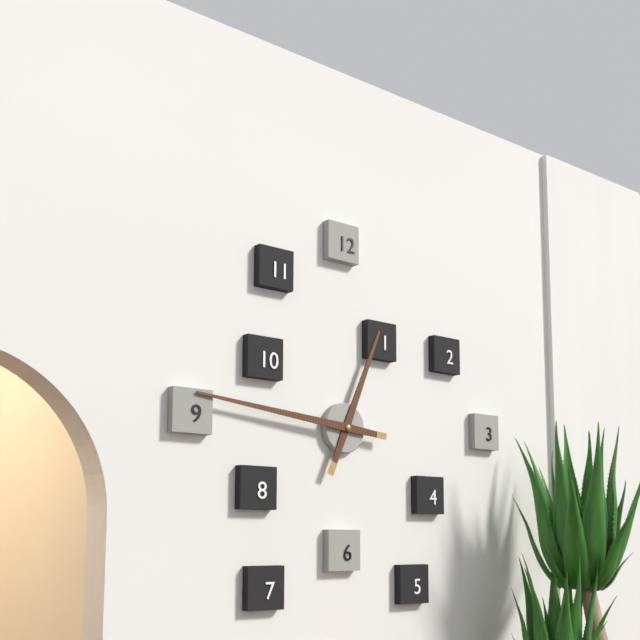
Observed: 12:46
